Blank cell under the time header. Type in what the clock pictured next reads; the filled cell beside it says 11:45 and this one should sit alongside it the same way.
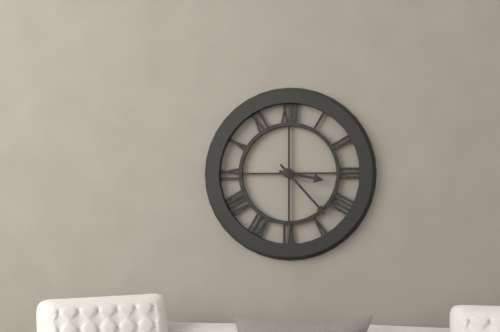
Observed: 3:23
